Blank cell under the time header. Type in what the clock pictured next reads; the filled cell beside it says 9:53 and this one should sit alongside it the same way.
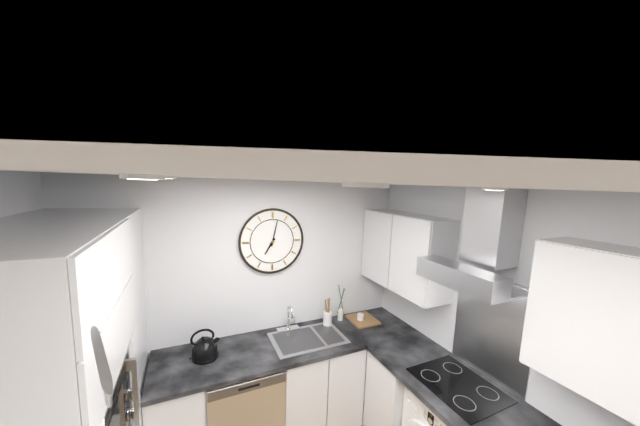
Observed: 7:02
